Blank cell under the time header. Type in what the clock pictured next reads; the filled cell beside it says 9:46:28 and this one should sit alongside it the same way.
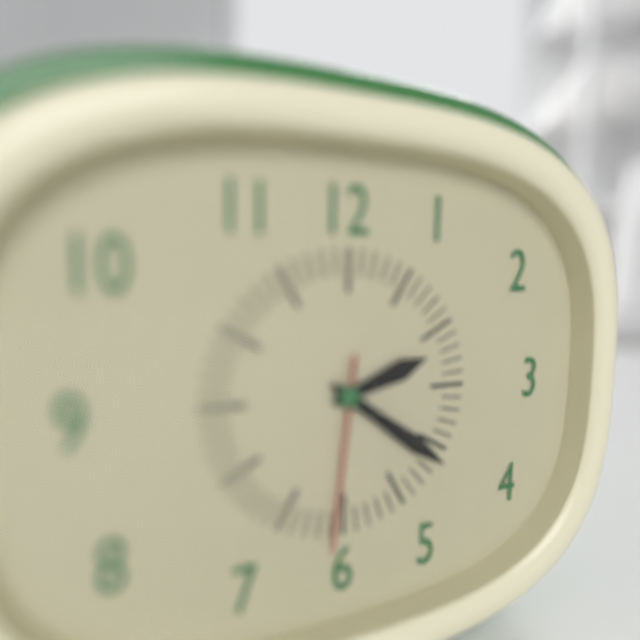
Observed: 2:21:31
